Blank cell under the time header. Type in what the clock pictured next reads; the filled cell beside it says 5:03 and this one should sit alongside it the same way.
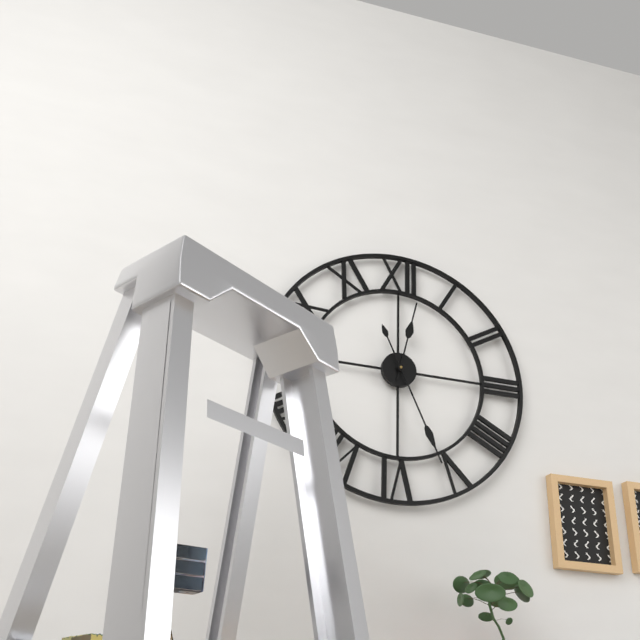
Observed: 12:26
